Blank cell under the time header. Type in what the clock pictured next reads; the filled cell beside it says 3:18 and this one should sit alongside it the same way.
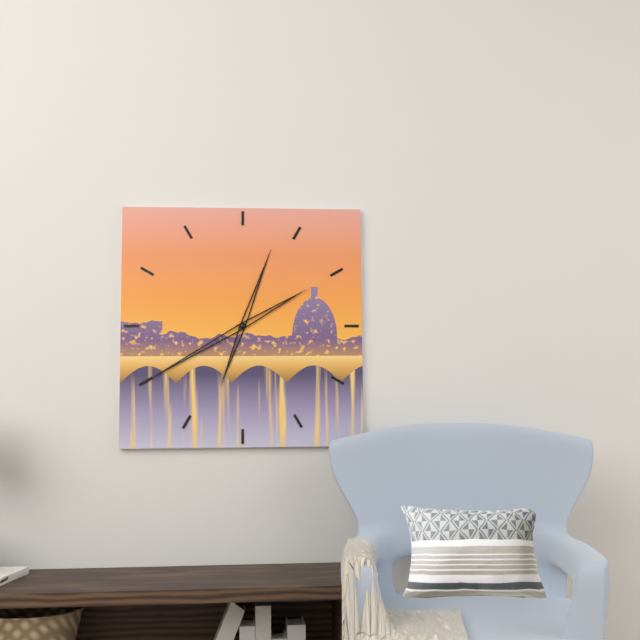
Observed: 12:40
